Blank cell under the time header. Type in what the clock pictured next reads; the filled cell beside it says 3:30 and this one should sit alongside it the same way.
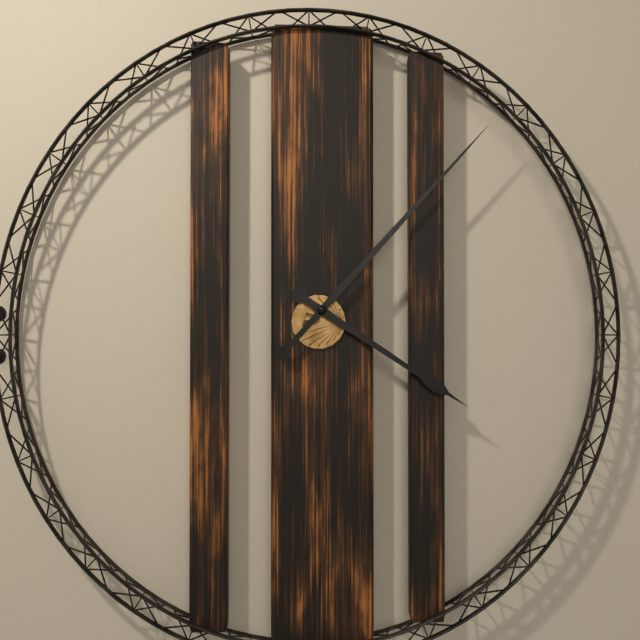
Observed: 4:07
